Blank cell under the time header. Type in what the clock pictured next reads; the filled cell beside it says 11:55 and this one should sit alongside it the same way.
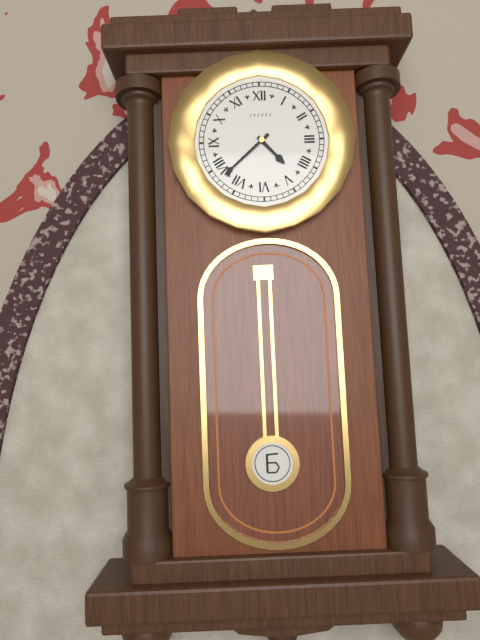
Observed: 4:38
